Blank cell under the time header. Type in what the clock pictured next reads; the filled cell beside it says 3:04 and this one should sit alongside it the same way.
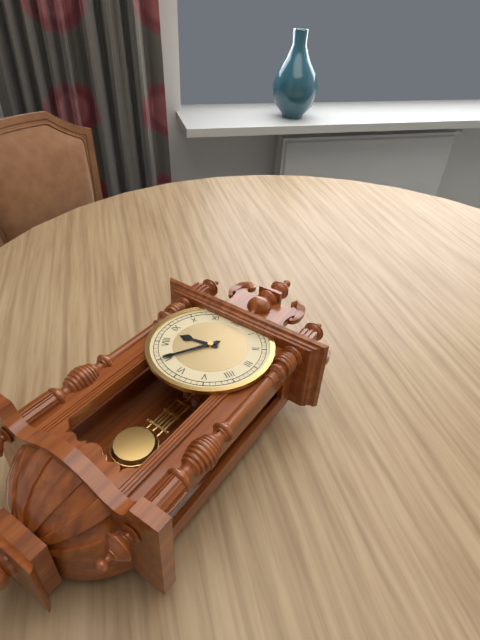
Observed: 8:35
